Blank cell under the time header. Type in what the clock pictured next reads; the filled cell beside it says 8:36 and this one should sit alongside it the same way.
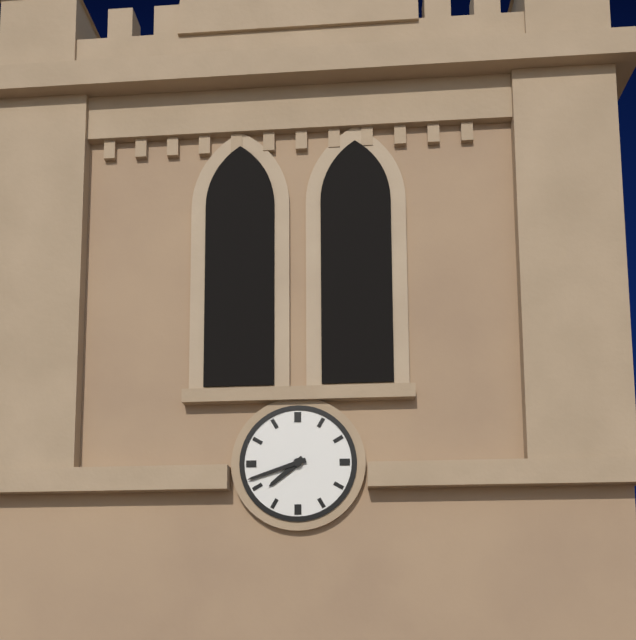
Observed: 7:42
